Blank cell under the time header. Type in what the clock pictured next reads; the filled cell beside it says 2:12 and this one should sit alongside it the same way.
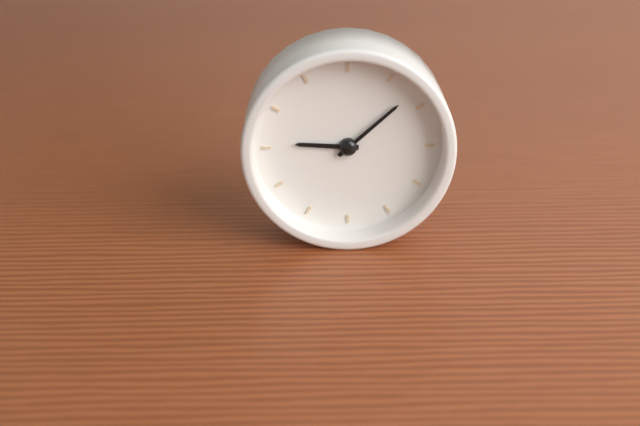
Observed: 9:08
